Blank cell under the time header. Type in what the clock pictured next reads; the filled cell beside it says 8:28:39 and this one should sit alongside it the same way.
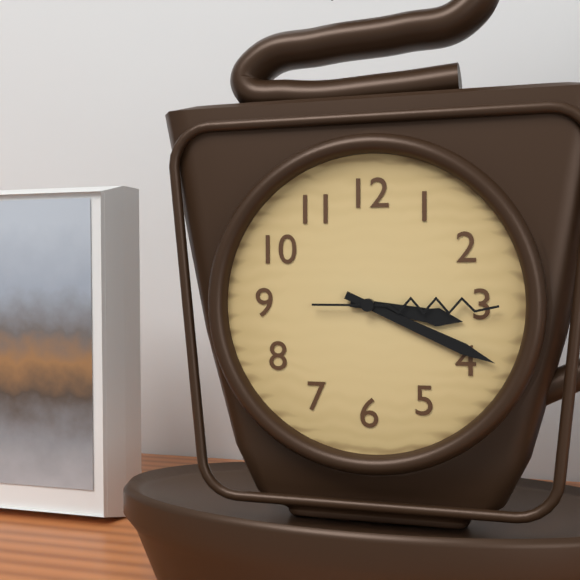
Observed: 3:19:15
